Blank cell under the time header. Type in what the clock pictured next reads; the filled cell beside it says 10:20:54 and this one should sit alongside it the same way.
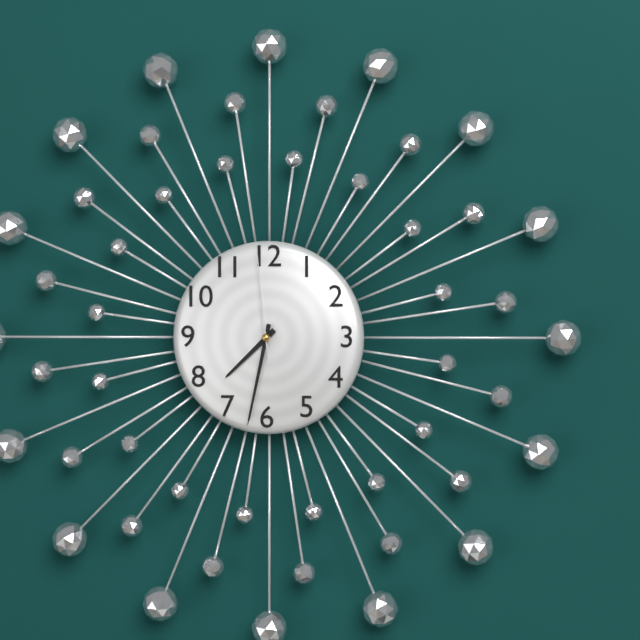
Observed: 7:32:59
